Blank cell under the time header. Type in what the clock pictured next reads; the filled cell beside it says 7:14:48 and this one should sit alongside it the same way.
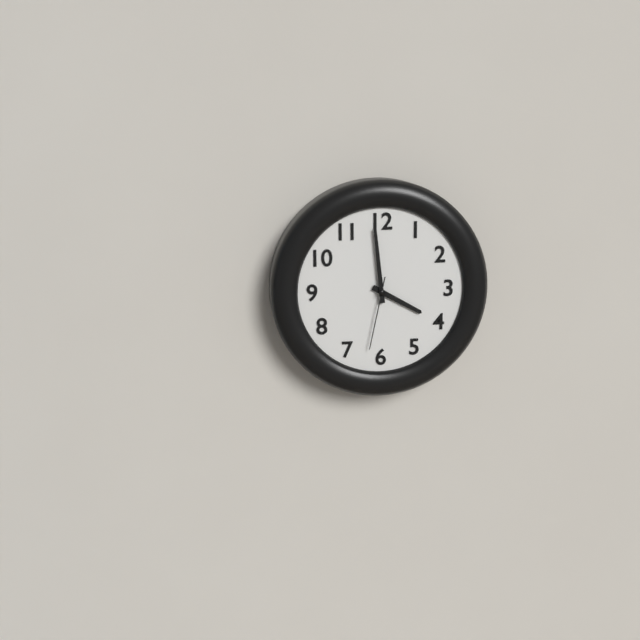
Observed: 3:59:32
